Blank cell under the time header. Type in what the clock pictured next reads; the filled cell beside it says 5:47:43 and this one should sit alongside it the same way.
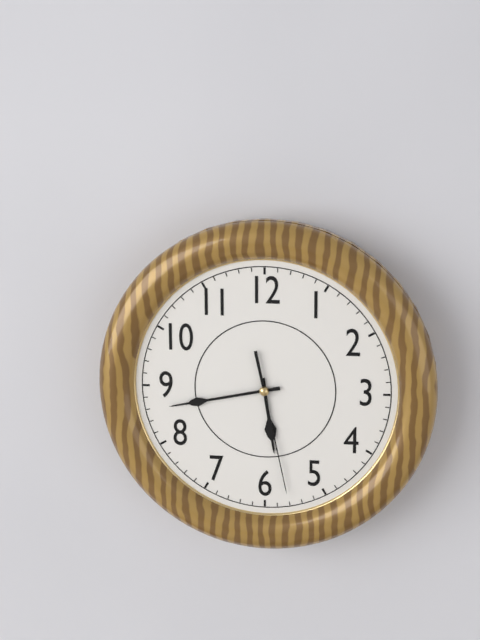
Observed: 5:43:28
